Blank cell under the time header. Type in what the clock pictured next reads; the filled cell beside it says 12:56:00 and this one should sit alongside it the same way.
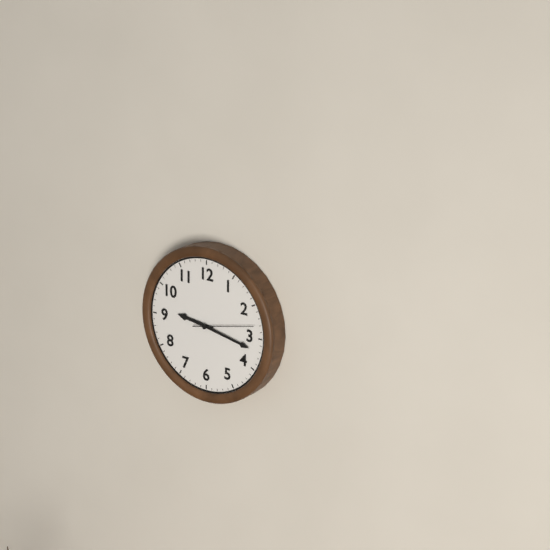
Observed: 9:17:13
